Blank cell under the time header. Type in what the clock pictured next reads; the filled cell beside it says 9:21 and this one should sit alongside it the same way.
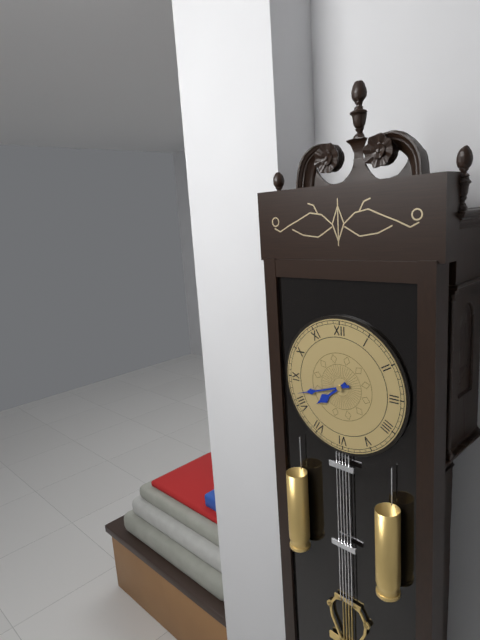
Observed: 7:42
